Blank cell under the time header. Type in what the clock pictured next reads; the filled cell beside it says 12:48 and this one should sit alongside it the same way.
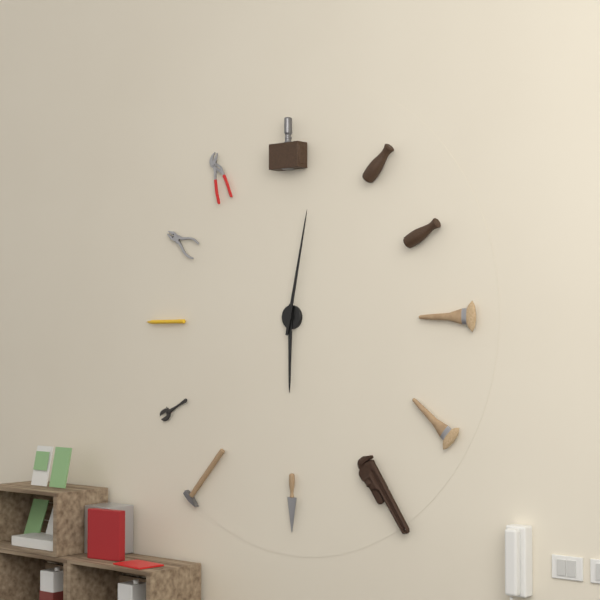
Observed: 6:02
